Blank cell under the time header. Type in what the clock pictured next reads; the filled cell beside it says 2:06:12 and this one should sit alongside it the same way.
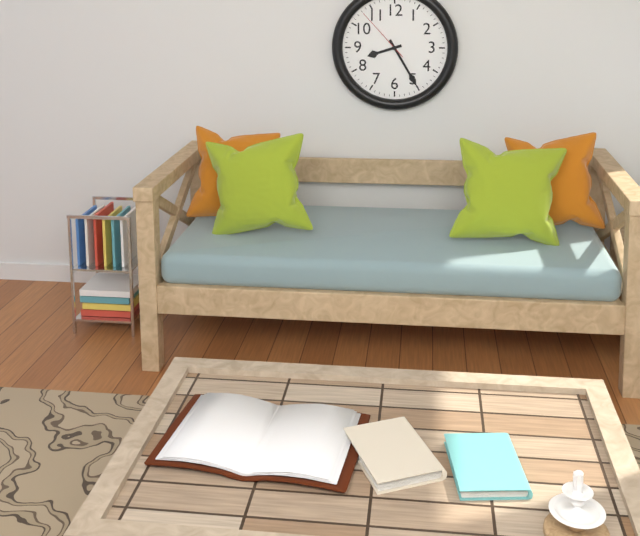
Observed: 8:25:53
